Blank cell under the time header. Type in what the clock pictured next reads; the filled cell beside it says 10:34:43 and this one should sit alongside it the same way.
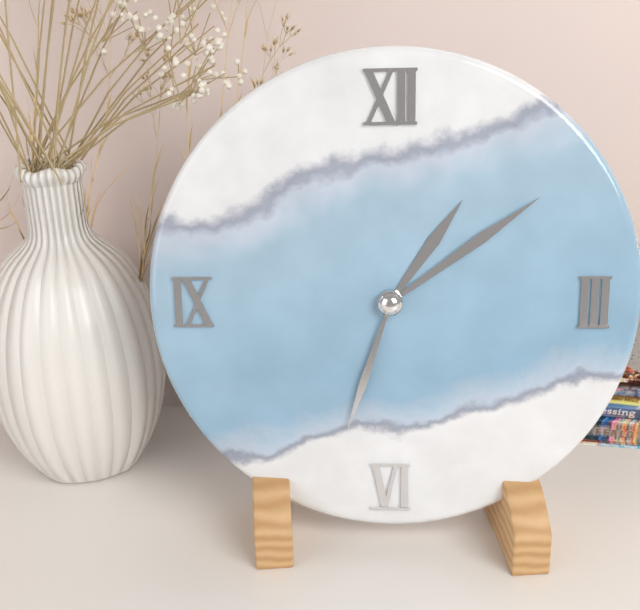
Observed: 1:09:33
